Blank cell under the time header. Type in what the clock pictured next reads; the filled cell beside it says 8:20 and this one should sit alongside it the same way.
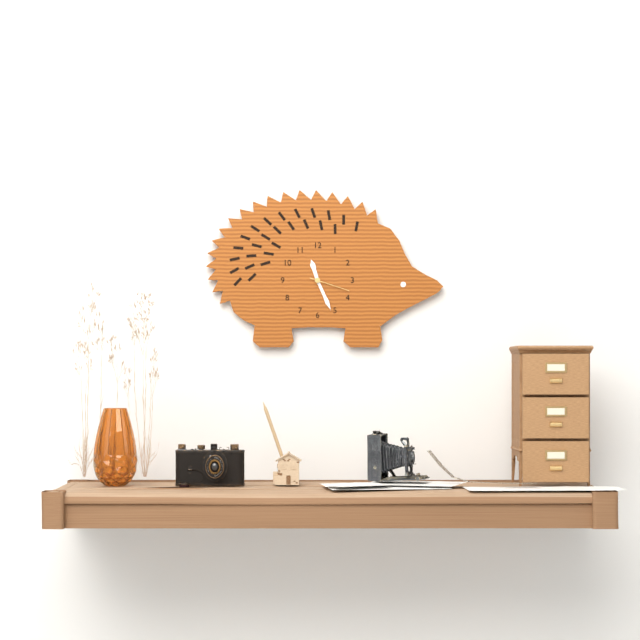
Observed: 11:26
